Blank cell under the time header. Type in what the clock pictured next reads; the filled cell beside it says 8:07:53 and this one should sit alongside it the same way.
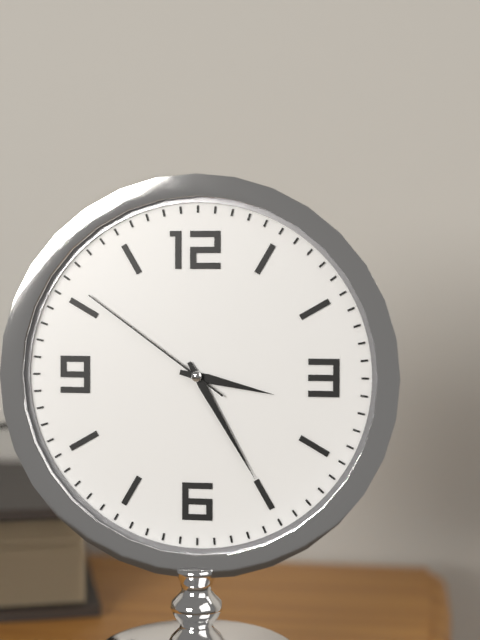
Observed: 3:25:51
